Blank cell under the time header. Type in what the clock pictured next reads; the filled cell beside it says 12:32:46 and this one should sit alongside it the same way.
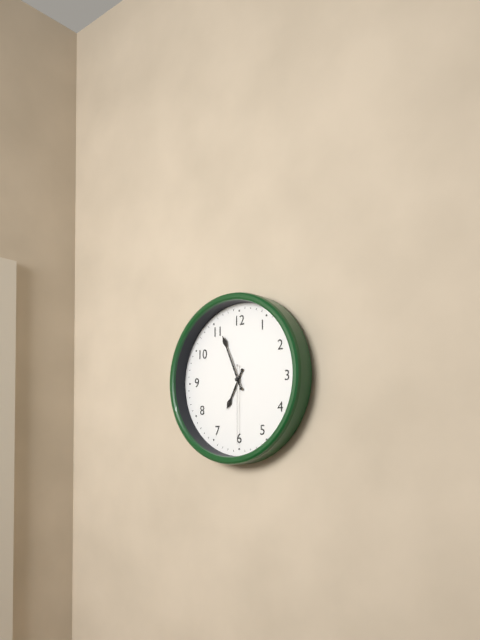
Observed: 6:56:30
